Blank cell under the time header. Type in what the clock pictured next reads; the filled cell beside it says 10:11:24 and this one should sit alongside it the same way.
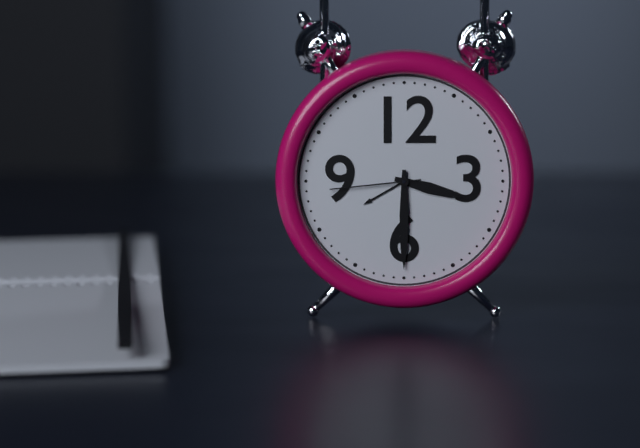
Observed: 3:30:44
